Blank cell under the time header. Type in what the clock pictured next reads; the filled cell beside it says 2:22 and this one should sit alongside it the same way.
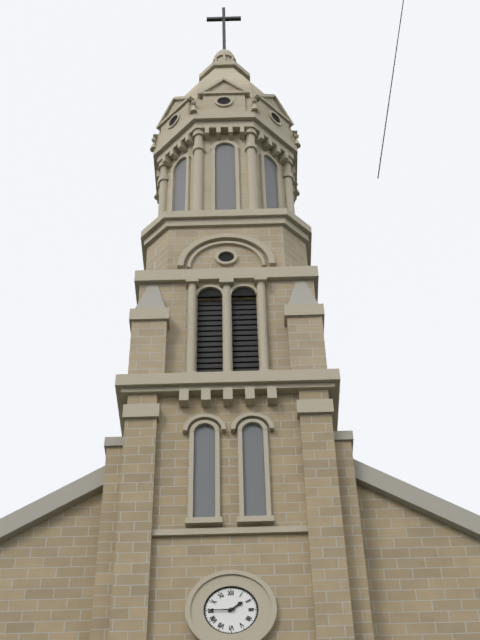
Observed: 1:45
